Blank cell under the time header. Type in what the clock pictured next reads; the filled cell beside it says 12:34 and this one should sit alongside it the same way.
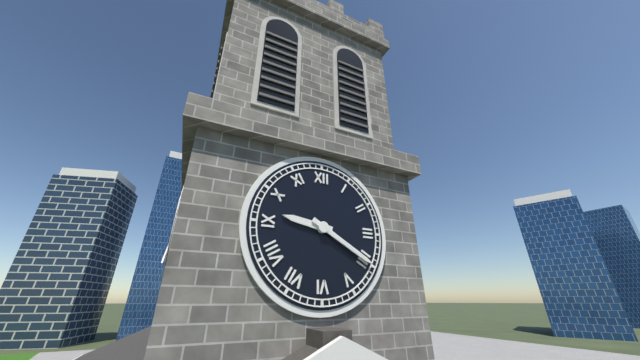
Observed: 9:20
